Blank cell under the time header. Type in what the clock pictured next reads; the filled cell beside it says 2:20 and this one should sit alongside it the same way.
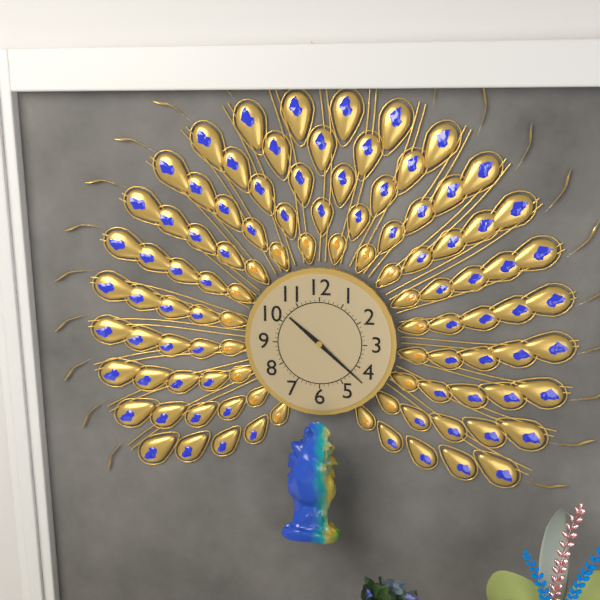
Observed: 10:22
